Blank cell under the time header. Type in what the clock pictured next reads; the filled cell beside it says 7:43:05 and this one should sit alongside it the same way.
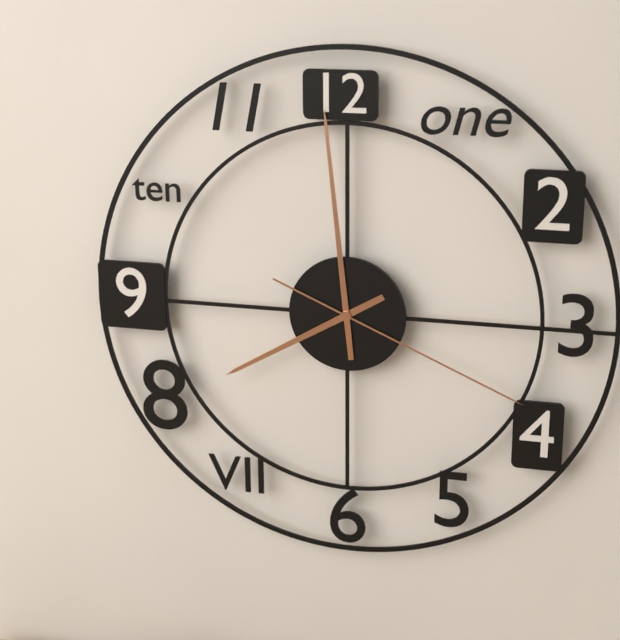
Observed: 7:59:19
